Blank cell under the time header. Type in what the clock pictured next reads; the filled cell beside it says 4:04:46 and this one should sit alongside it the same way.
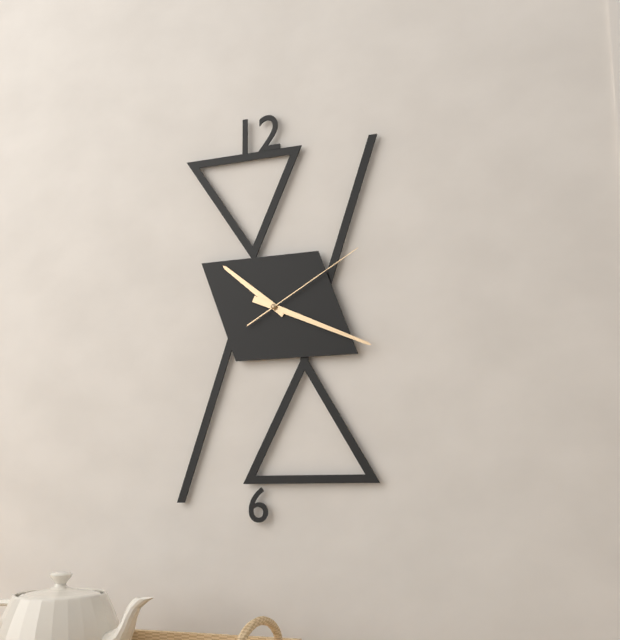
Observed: 10:19:10
